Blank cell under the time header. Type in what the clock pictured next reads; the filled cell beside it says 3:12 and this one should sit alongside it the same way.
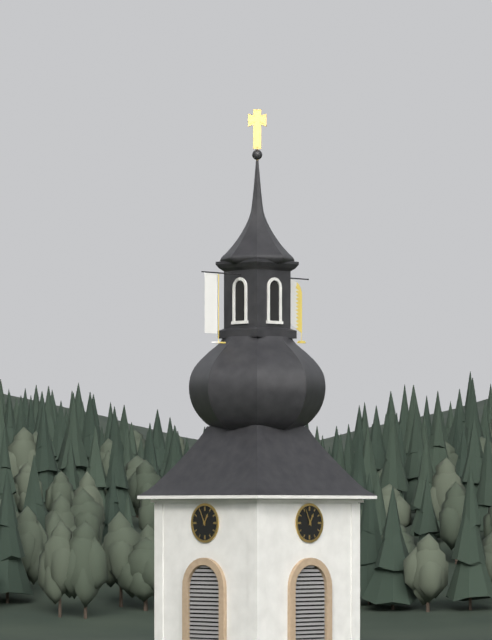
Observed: 12:56
